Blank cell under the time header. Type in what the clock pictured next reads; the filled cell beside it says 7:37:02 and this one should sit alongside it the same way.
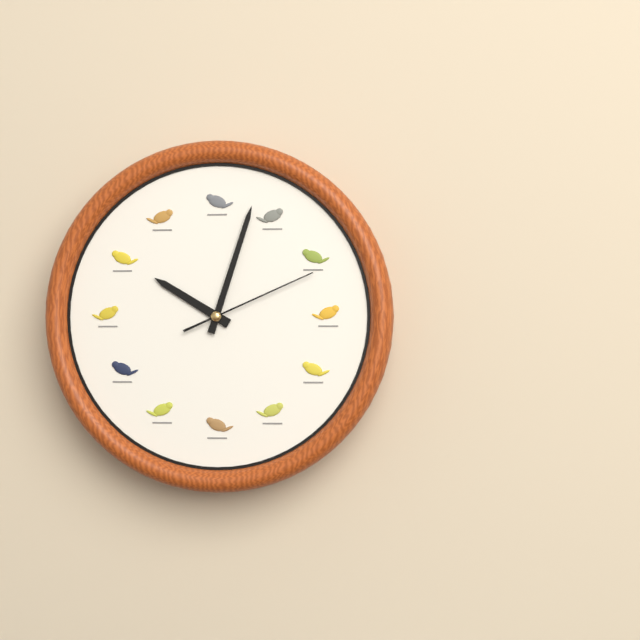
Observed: 10:03:11
